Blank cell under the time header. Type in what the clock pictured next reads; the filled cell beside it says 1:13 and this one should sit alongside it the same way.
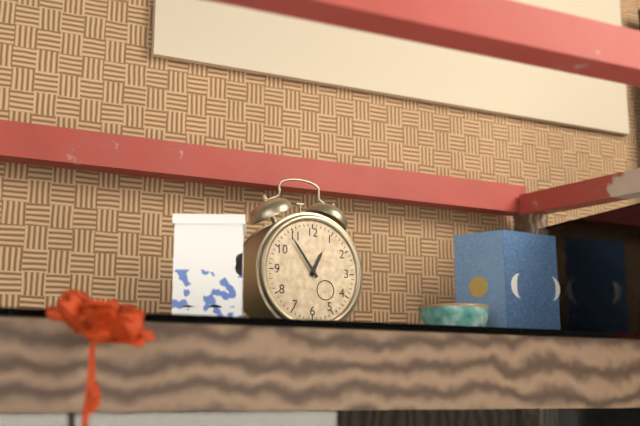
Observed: 12:54
